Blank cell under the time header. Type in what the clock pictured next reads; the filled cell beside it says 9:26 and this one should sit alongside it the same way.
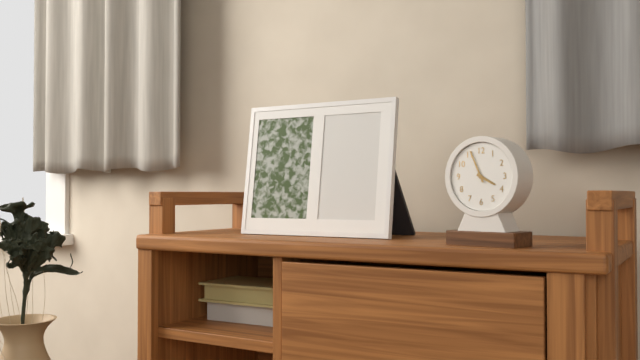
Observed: 3:56
